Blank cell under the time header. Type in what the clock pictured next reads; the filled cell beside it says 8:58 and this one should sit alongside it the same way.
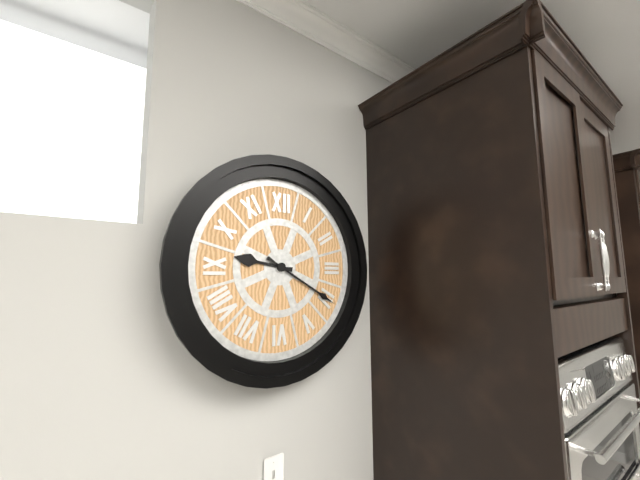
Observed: 9:20
